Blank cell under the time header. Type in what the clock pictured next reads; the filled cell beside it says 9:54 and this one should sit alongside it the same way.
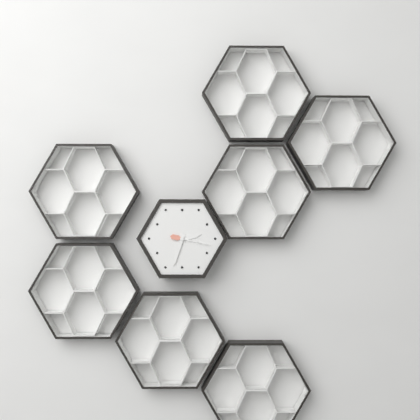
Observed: 2:33
